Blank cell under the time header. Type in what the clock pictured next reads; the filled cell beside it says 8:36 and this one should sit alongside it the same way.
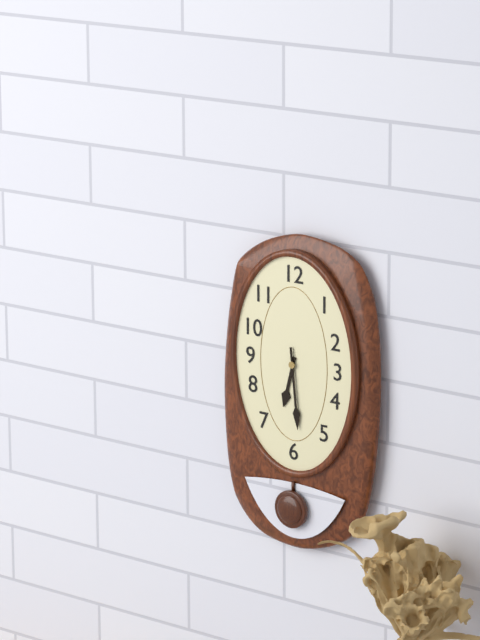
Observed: 6:29
